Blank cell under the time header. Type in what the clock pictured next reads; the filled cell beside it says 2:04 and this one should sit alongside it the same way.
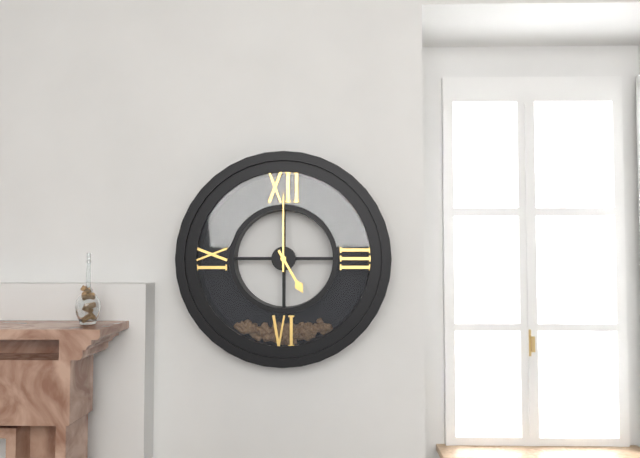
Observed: 5:00
